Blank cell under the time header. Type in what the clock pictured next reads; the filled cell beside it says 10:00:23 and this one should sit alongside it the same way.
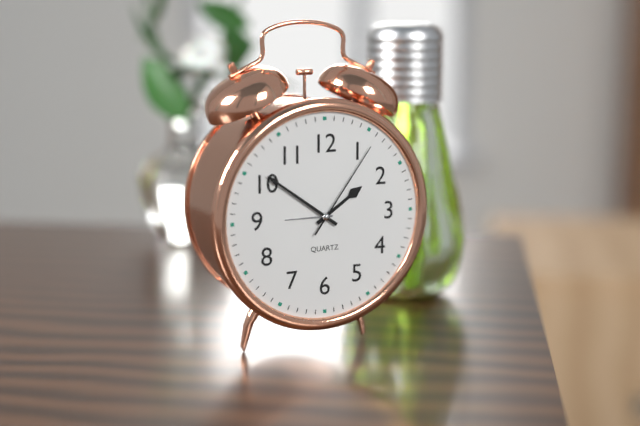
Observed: 1:51:06
